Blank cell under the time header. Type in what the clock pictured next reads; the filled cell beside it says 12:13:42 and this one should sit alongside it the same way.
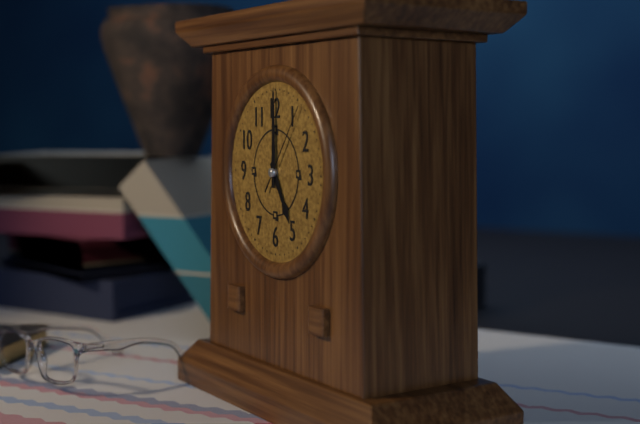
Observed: 5:00:06
